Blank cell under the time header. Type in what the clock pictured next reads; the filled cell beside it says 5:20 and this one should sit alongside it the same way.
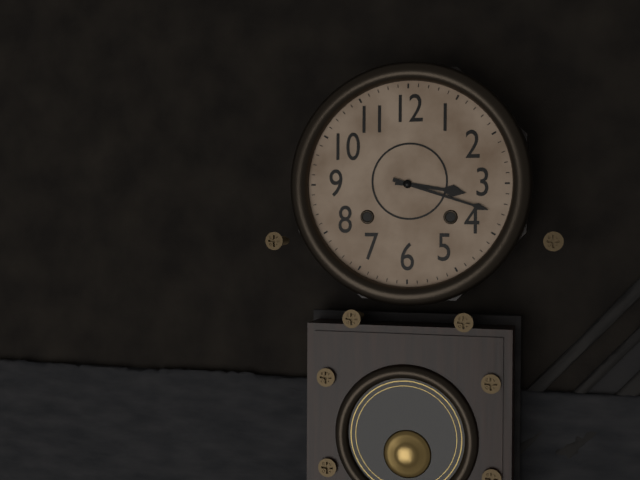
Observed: 3:18
